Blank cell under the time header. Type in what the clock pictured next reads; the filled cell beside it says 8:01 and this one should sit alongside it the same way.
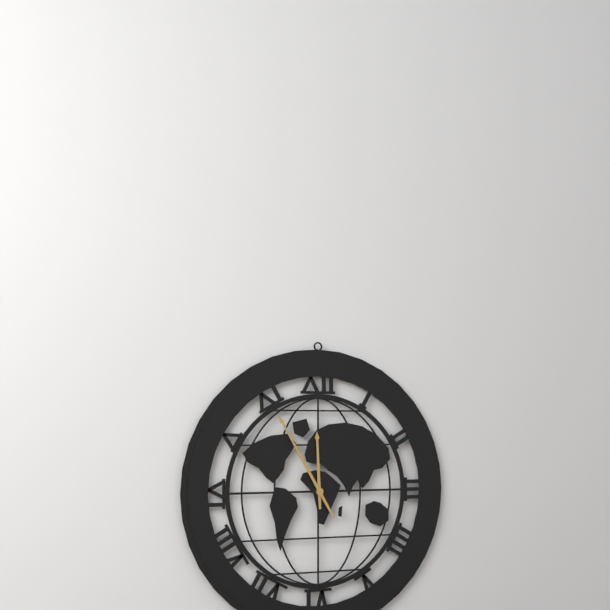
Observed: 11:55
